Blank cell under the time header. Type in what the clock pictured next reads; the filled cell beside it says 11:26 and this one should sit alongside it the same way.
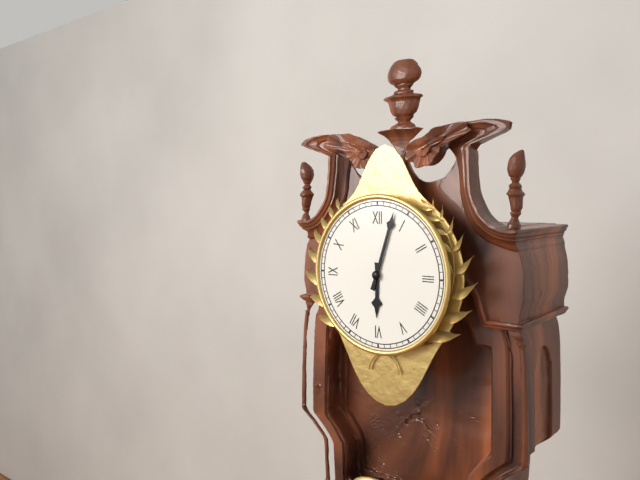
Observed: 6:03
